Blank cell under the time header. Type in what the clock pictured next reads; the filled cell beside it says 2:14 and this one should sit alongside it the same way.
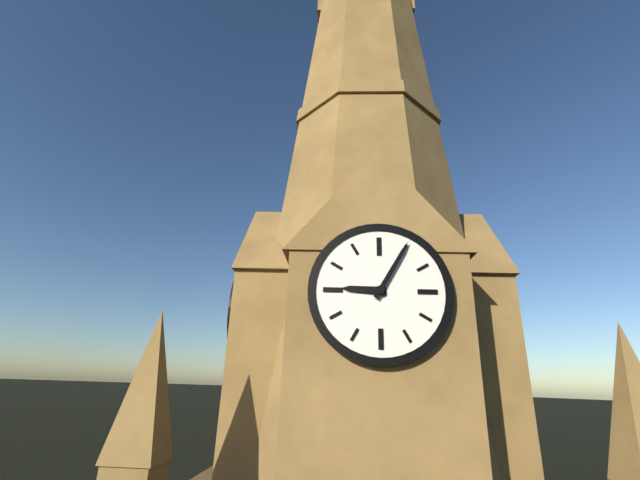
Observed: 9:05
